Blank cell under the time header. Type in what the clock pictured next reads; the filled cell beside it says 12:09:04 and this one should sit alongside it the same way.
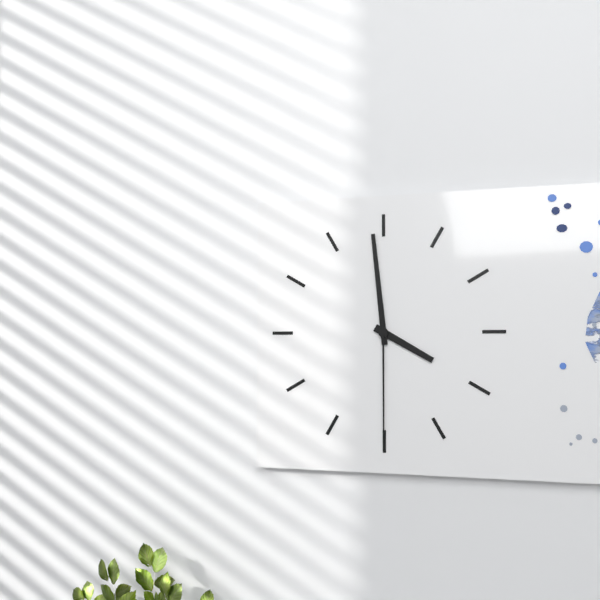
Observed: 3:59:30
